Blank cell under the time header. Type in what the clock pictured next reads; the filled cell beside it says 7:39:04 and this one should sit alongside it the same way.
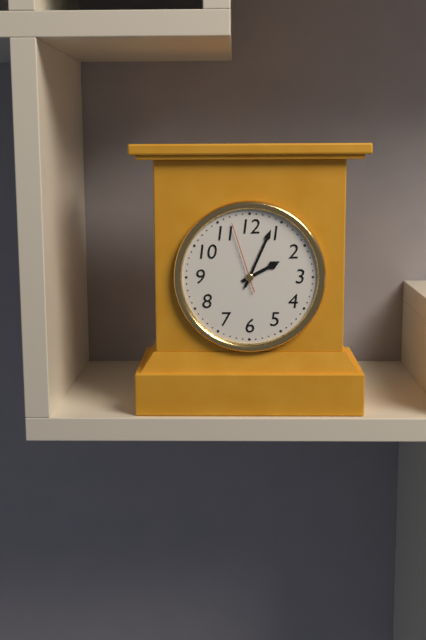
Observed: 2:04:57
